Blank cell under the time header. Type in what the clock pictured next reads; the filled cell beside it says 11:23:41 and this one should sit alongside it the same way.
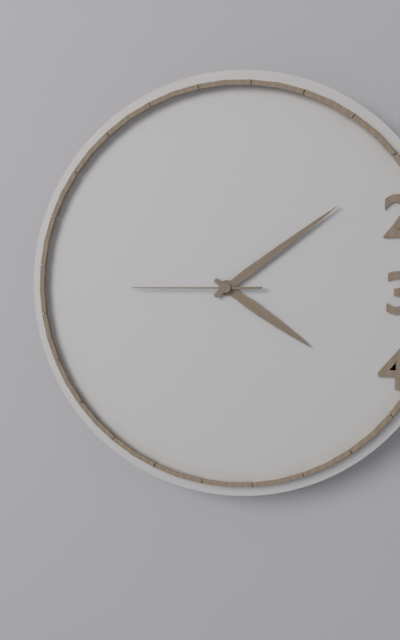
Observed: 4:09:45
